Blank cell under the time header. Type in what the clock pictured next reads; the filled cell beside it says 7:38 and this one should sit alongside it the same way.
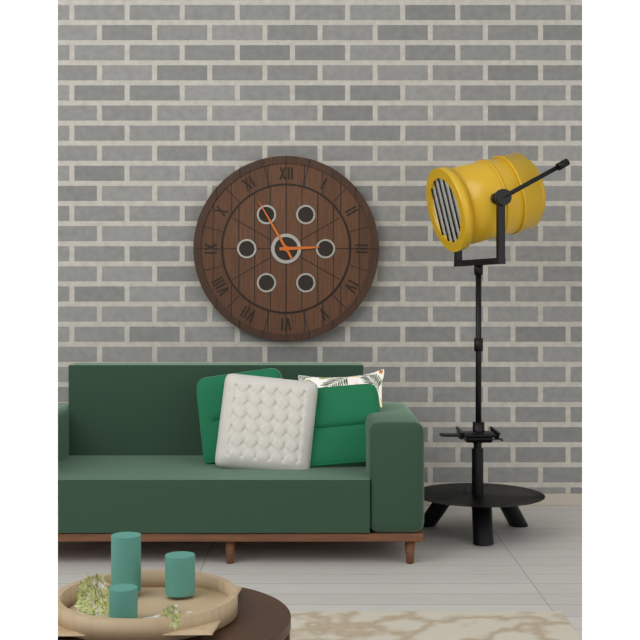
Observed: 2:55
